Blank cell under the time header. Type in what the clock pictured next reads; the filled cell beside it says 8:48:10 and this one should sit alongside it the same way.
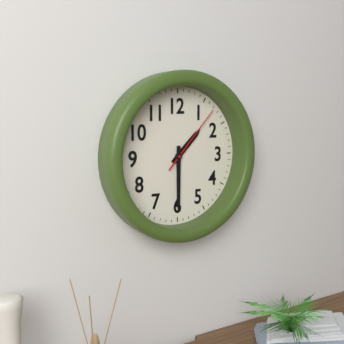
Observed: 1:30:07
